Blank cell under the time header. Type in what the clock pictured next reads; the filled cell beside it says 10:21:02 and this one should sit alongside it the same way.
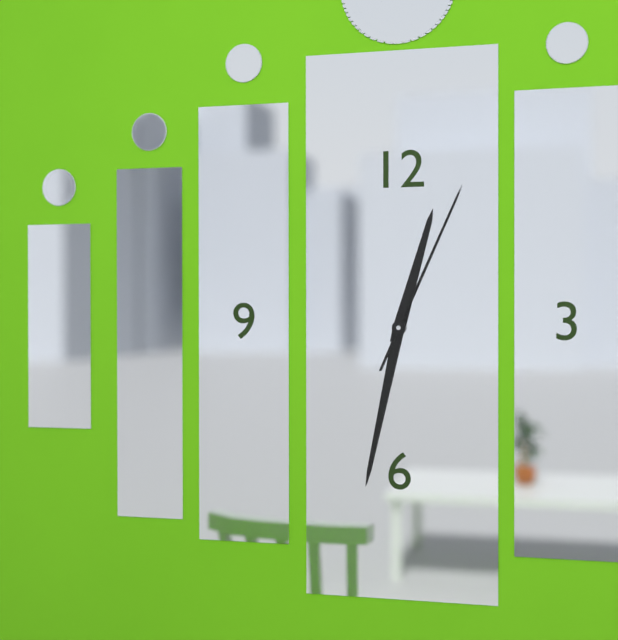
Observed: 12:32:04
